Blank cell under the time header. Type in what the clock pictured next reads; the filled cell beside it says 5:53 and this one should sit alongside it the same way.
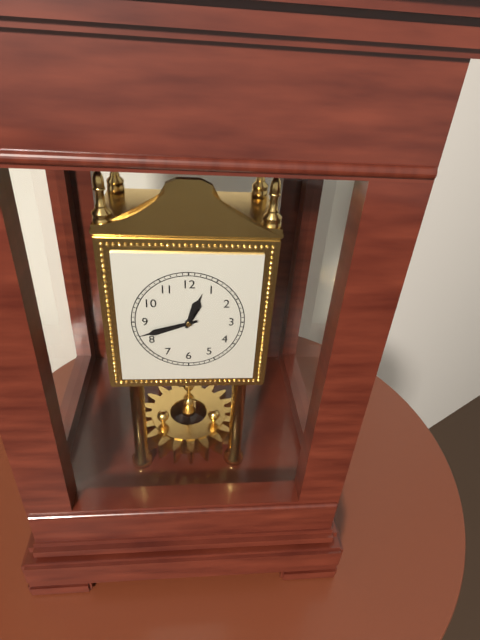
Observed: 12:42
